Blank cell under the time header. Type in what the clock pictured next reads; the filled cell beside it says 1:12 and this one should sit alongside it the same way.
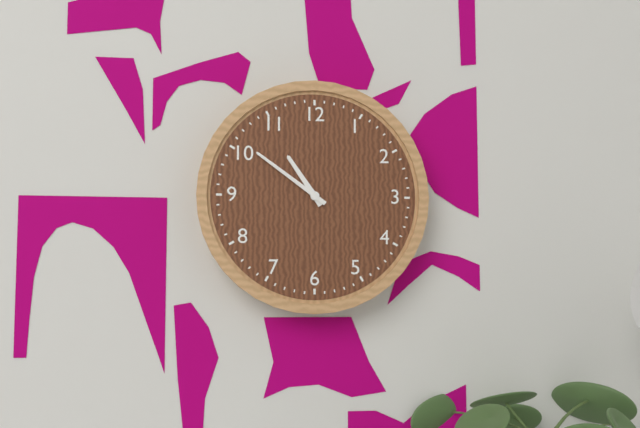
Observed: 10:51
